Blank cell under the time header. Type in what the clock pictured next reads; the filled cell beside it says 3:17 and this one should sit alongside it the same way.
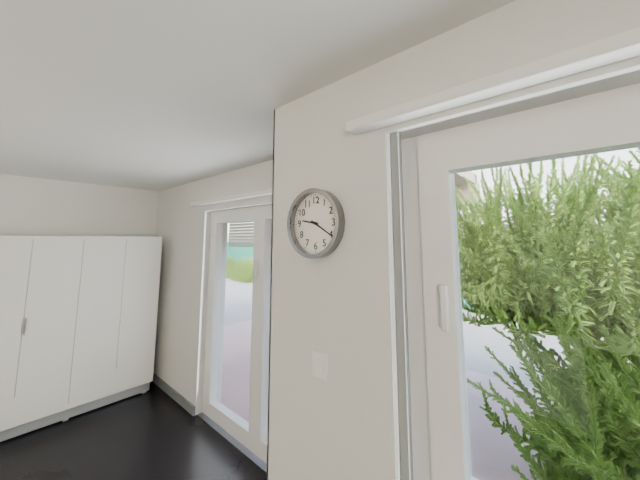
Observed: 9:20
